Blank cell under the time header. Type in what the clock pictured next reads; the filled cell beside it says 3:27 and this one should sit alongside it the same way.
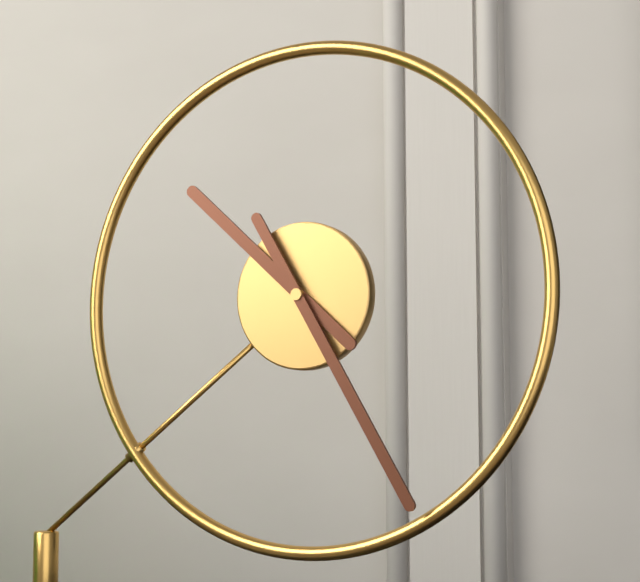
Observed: 10:25
